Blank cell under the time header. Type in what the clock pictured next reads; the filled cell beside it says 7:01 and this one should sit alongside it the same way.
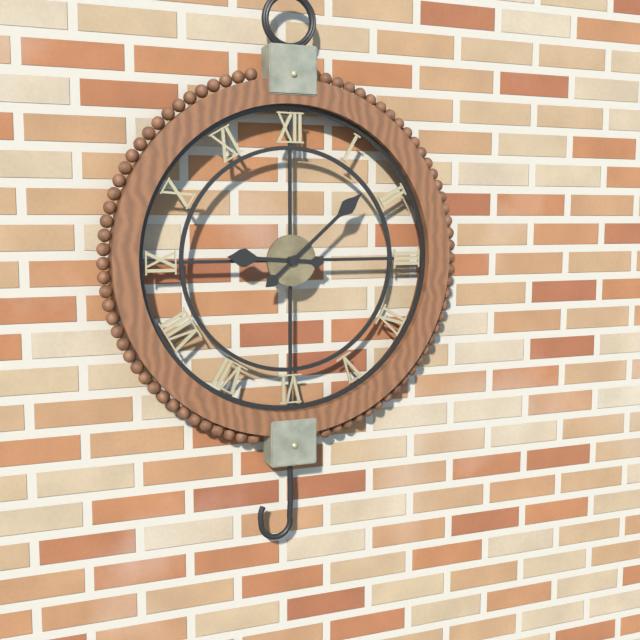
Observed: 9:08
